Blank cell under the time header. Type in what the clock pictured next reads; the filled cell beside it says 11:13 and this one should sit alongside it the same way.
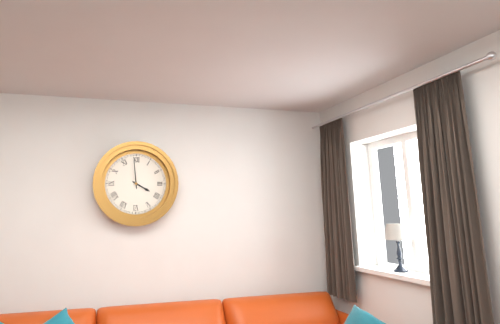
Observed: 3:59
